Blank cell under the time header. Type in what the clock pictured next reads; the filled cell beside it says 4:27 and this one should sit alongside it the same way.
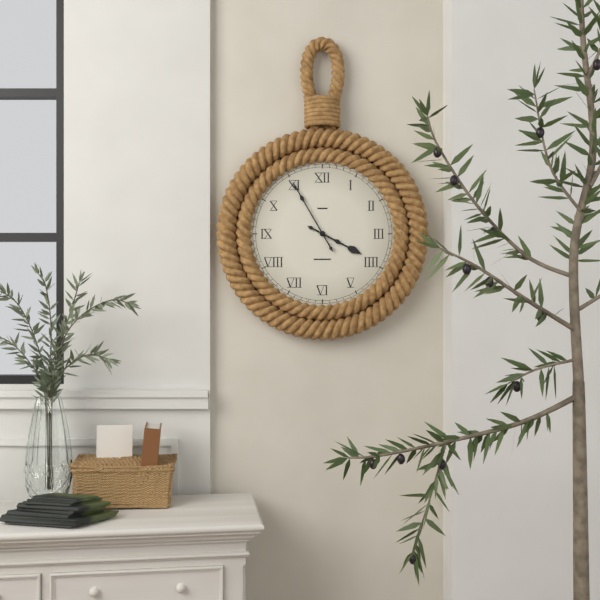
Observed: 3:55
